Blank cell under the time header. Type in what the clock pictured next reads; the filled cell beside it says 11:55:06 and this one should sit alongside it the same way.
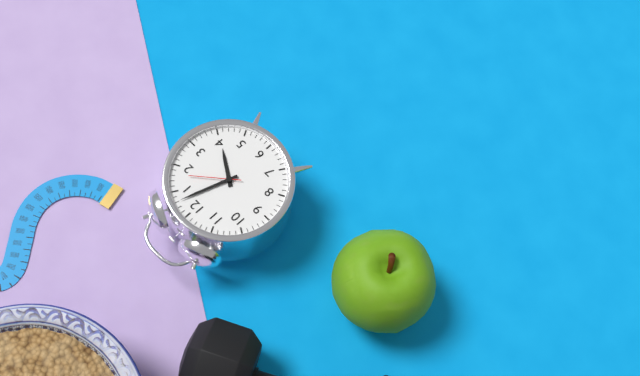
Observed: 4:03:08
